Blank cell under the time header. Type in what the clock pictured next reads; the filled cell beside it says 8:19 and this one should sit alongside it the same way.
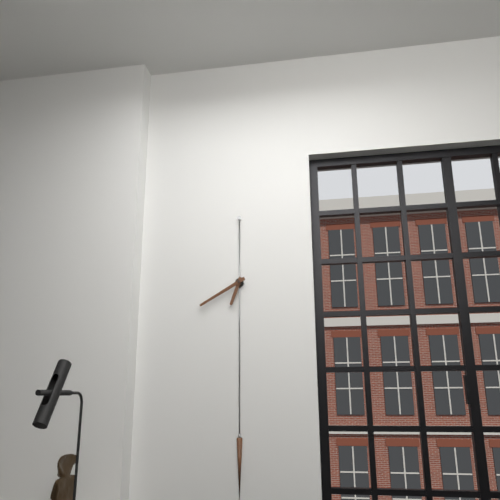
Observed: 6:40
